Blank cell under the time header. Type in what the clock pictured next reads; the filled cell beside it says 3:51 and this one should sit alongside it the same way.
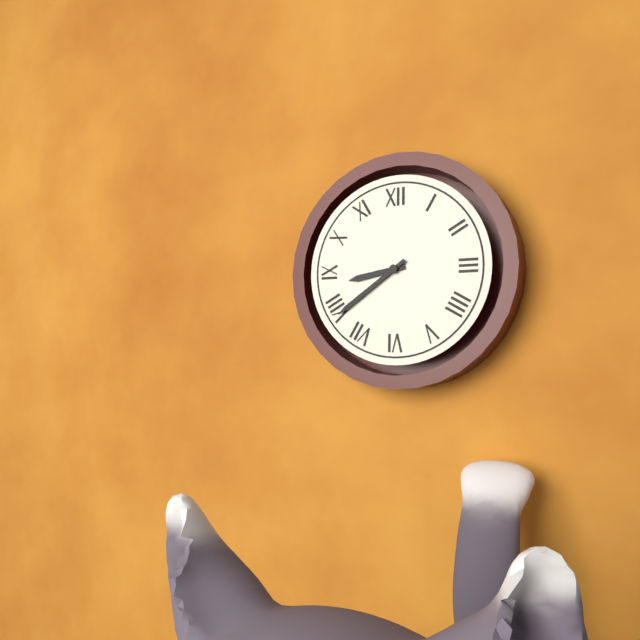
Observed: 8:39
